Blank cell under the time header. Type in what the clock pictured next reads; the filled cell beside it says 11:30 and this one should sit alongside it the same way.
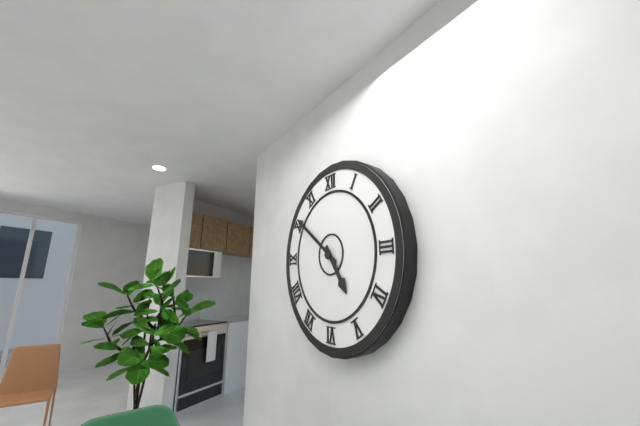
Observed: 4:51
